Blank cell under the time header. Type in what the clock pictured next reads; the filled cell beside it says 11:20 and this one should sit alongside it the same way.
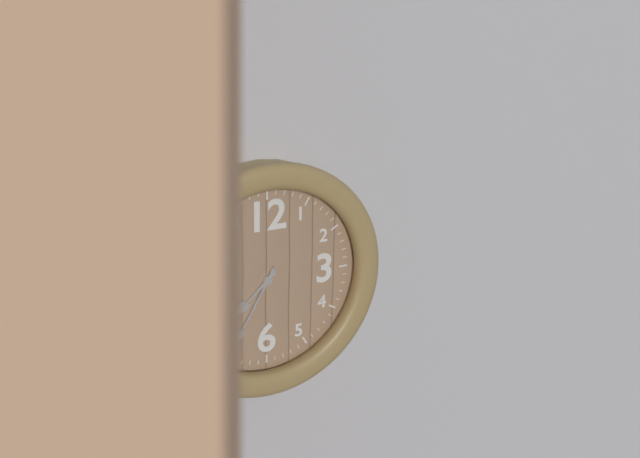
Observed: 7:35
